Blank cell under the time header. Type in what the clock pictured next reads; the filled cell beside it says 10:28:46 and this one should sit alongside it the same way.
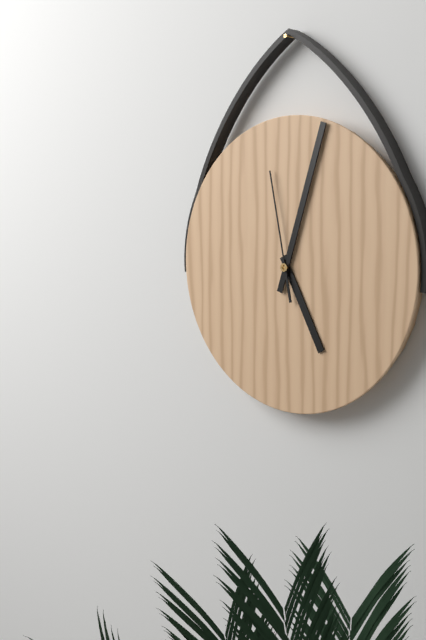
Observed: 5:03:58
